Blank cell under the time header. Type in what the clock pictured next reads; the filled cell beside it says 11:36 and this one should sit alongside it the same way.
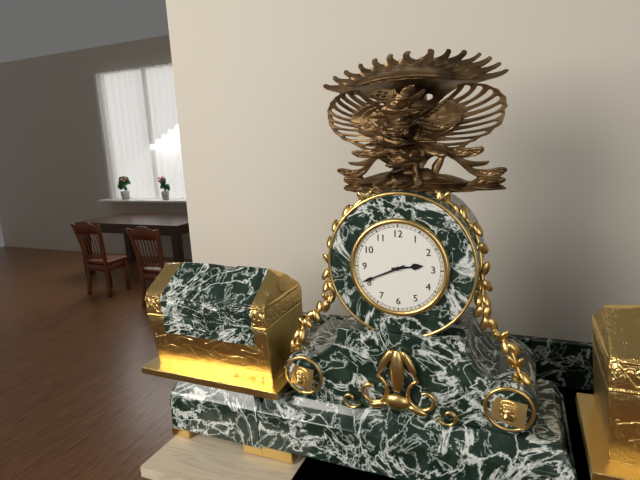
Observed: 2:41
